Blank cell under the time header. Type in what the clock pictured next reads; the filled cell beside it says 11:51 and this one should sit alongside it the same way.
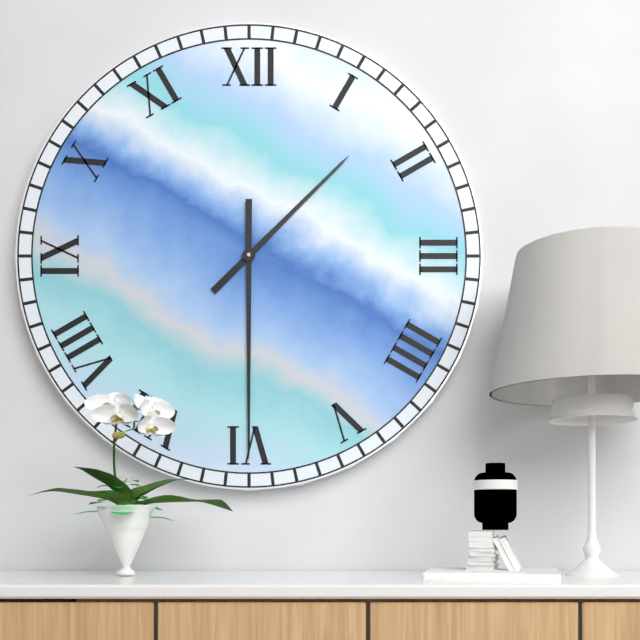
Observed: 1:30
